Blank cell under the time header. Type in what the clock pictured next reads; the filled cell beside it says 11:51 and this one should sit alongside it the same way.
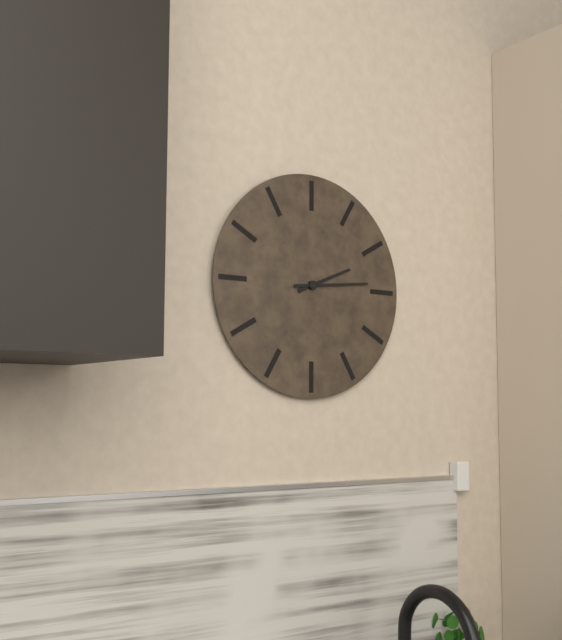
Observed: 2:14
